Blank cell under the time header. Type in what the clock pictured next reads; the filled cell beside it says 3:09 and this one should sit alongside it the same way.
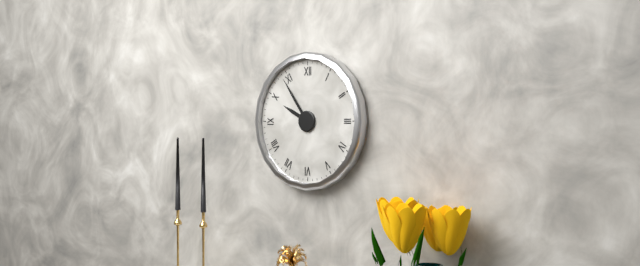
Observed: 9:54
